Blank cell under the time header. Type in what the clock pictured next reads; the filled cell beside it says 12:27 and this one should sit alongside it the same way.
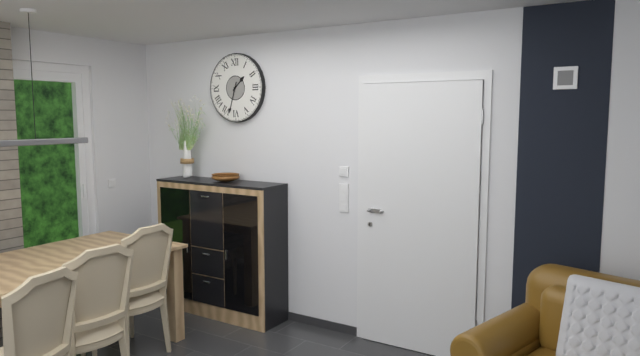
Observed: 1:33
